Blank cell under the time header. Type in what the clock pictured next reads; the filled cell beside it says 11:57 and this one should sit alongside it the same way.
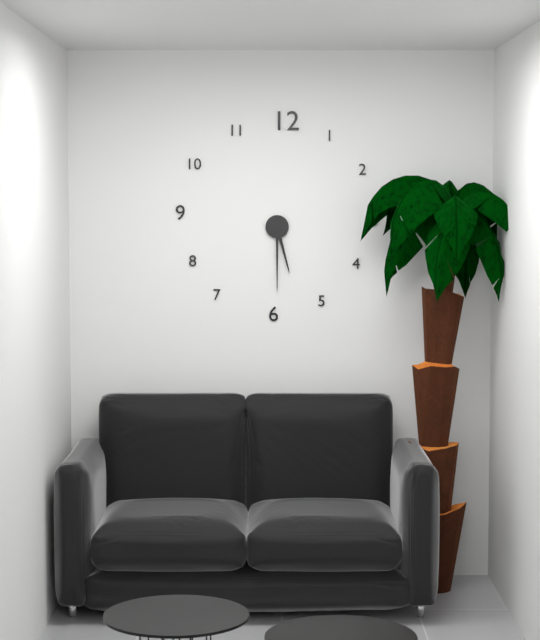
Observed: 5:30
